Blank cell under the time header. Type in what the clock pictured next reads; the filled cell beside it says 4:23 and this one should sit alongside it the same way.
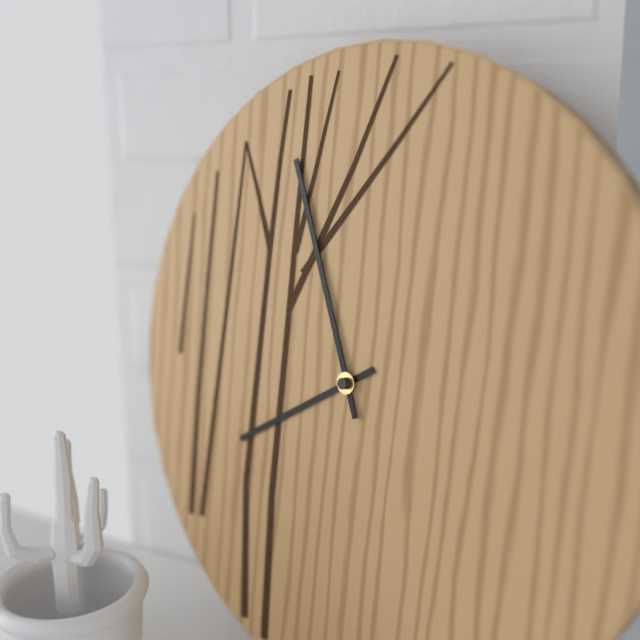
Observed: 7:56
